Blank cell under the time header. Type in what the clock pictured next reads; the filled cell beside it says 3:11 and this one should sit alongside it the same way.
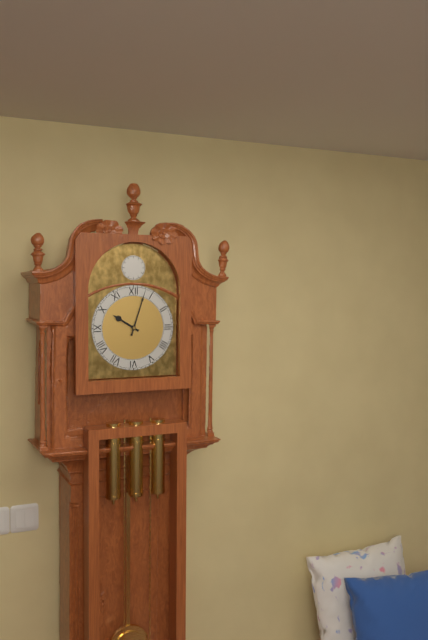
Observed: 10:03
